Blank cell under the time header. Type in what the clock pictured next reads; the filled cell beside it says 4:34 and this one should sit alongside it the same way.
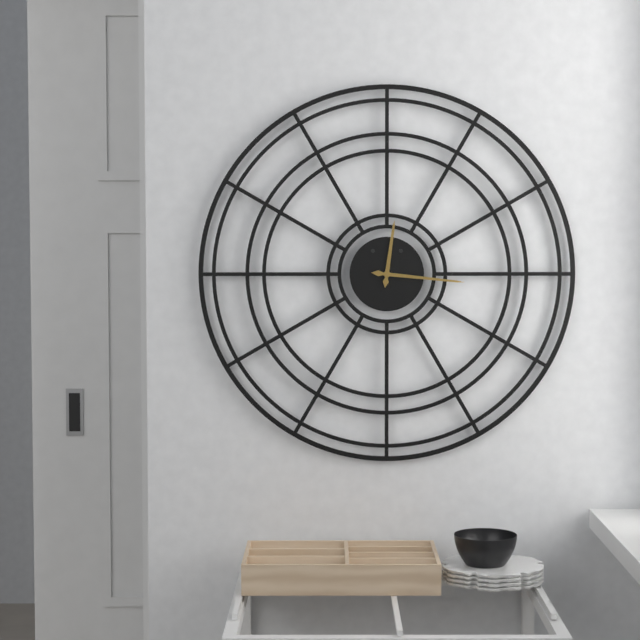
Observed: 12:16
